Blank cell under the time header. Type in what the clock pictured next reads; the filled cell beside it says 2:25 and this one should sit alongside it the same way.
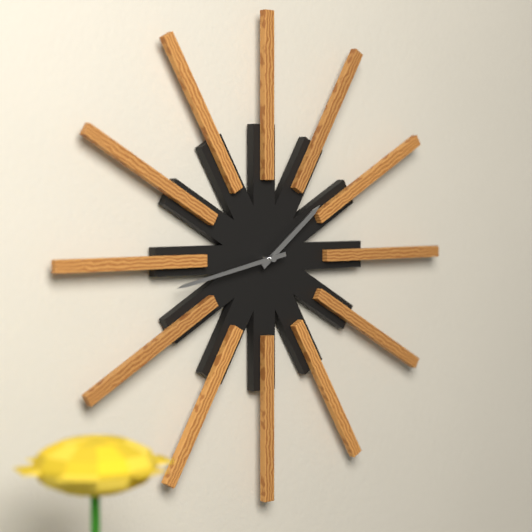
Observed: 1:43
